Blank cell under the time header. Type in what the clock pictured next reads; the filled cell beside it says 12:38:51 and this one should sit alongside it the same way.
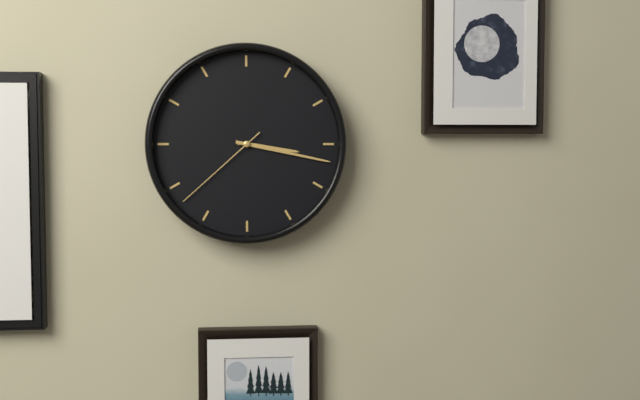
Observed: 3:17:38
